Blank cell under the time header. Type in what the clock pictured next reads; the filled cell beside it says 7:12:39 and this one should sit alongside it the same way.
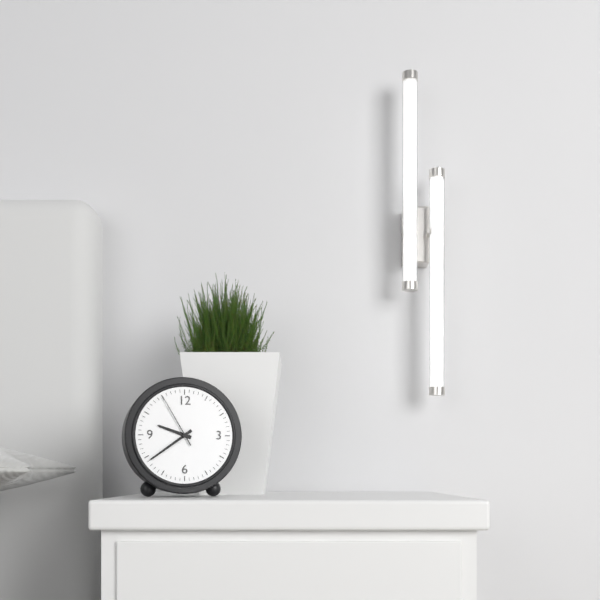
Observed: 9:39:55
